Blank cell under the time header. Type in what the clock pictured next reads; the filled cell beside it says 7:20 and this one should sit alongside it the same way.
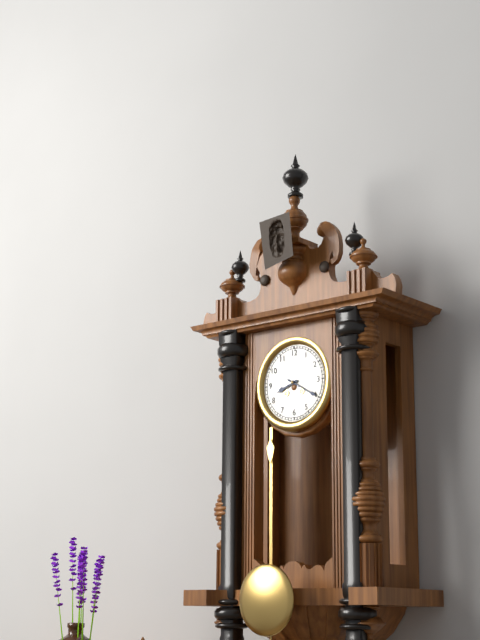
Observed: 8:20
